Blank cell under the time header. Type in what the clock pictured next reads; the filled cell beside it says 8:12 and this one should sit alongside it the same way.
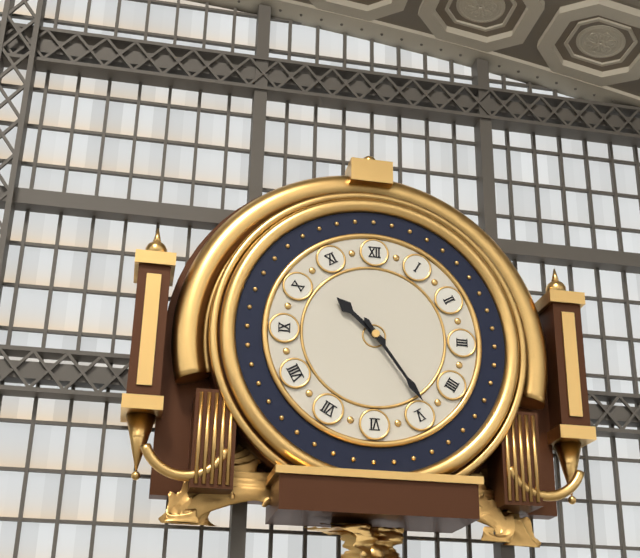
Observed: 10:24
